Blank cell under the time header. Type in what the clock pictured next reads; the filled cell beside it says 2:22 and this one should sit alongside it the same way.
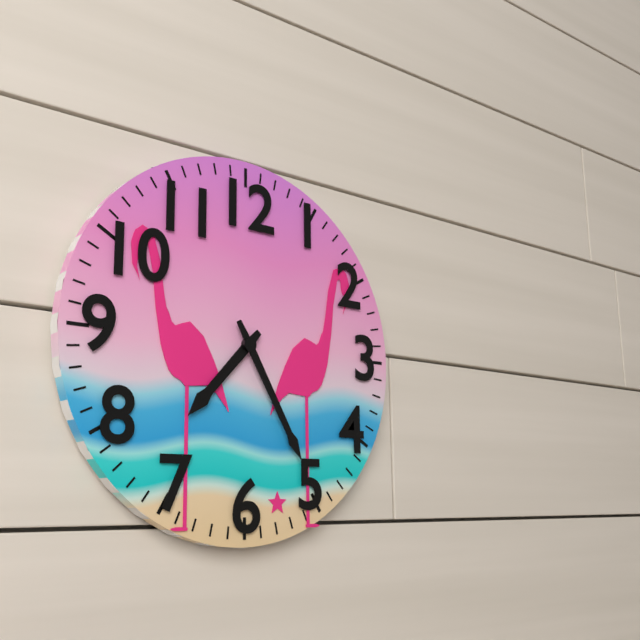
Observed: 7:25
